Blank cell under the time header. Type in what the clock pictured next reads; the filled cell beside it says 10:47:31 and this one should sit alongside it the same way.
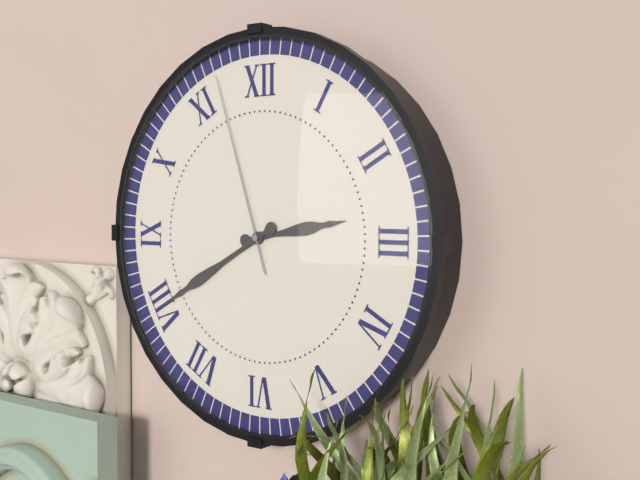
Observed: 2:40:57
